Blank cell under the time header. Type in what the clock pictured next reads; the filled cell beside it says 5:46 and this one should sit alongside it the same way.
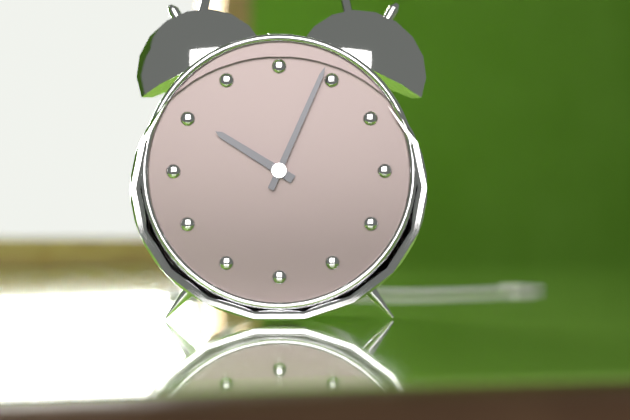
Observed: 10:04
